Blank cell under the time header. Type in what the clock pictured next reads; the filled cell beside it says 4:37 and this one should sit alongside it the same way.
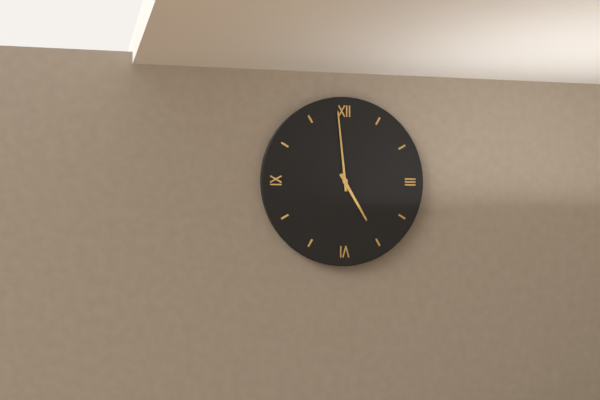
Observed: 4:59
